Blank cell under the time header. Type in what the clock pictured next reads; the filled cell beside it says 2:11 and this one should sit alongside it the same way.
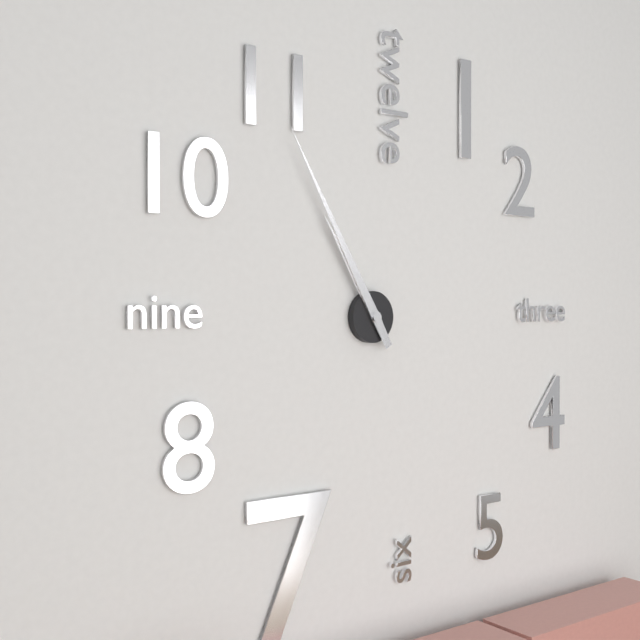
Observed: 10:55
